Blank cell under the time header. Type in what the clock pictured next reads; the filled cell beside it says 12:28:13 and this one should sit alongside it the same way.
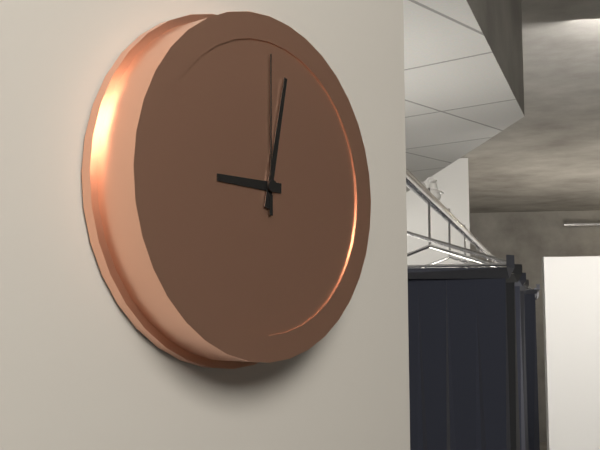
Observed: 9:02:00
